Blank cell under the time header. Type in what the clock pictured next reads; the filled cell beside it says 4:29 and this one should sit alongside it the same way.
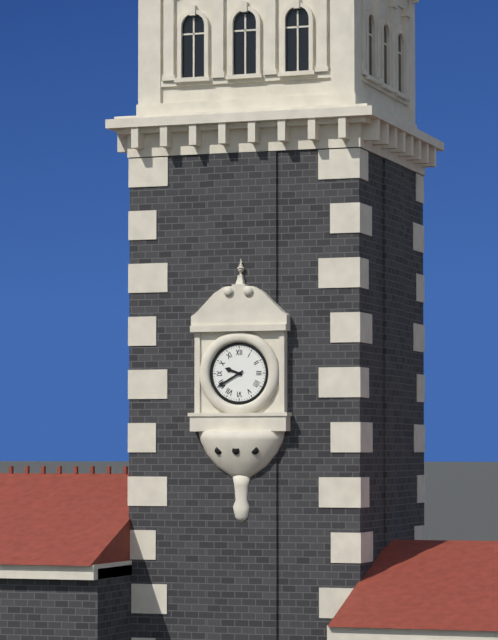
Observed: 9:40
